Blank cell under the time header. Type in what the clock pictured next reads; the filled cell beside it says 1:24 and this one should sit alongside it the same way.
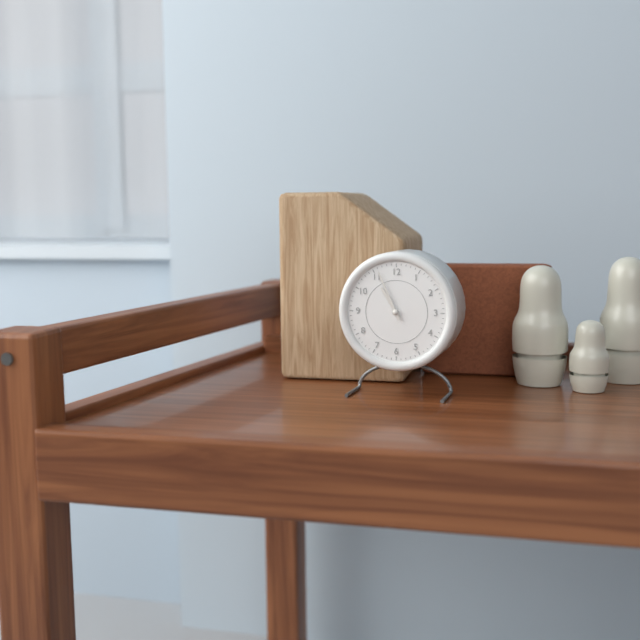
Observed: 10:56
